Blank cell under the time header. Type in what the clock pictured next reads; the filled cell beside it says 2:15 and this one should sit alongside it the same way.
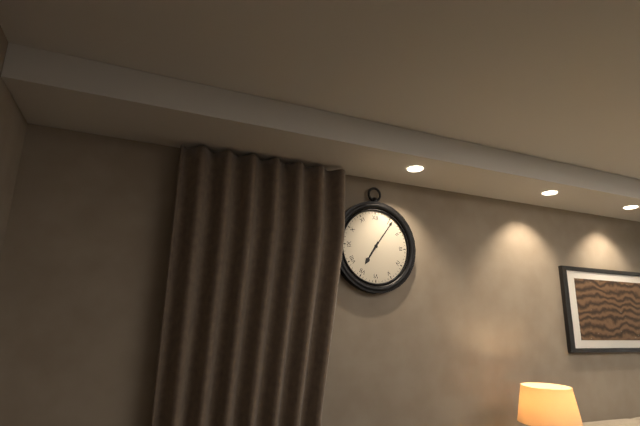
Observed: 7:06
